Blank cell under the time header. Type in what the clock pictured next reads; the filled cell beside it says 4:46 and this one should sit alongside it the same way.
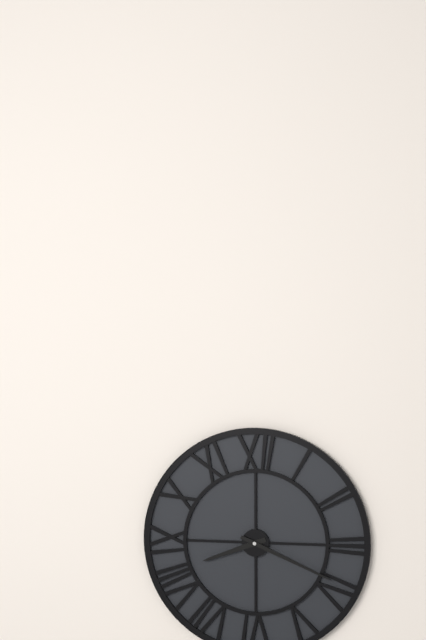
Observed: 8:19
